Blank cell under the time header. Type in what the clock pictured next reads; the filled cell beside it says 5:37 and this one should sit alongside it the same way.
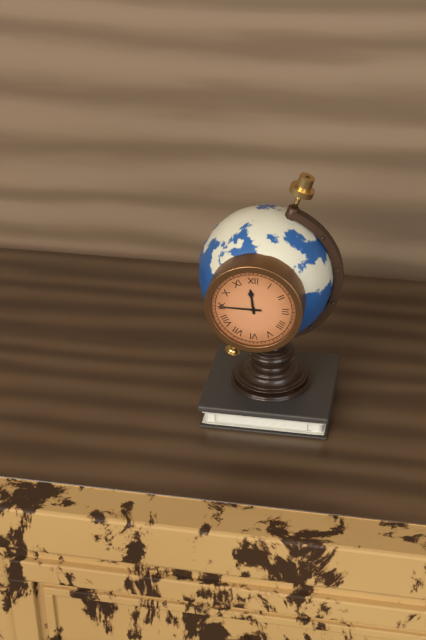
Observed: 11:45
